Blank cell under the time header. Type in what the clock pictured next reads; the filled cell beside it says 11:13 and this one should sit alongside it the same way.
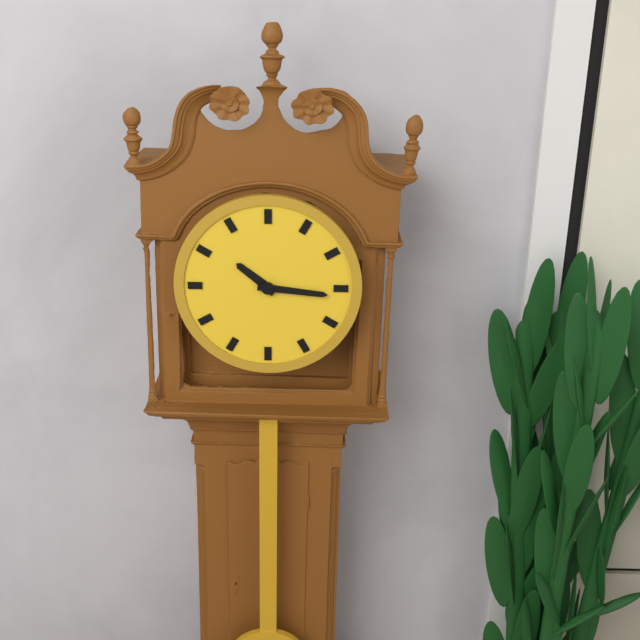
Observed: 10:16
